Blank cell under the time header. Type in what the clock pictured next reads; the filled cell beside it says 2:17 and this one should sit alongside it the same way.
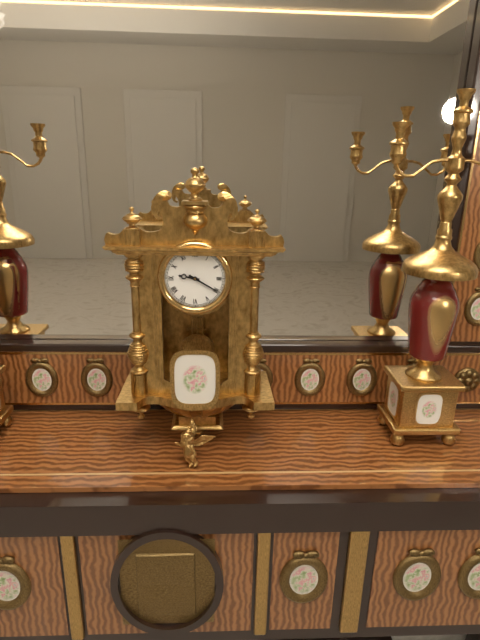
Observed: 9:20
